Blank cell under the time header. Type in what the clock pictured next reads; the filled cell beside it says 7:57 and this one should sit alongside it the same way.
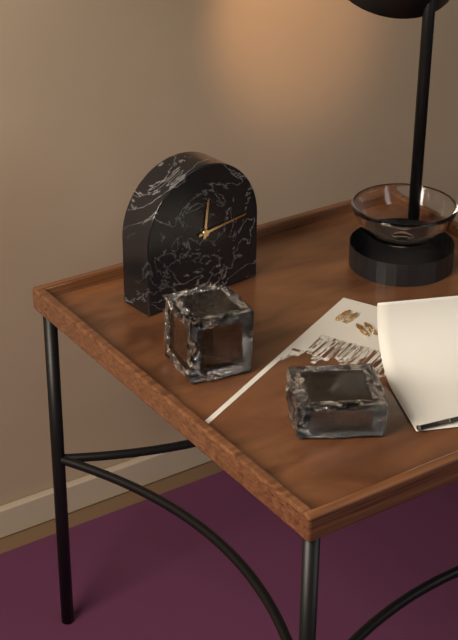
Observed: 12:14
